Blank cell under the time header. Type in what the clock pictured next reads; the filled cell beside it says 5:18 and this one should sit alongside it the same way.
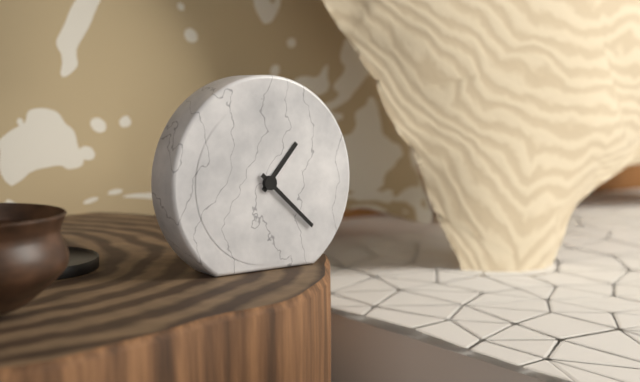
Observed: 1:22
